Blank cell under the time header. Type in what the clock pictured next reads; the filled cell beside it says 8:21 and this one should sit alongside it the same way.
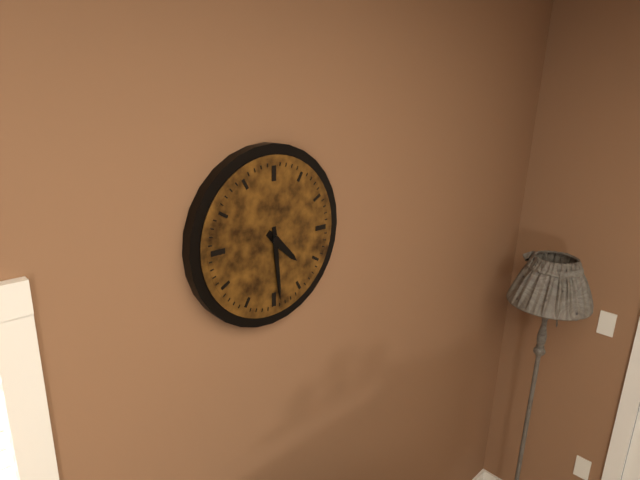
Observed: 4:29
